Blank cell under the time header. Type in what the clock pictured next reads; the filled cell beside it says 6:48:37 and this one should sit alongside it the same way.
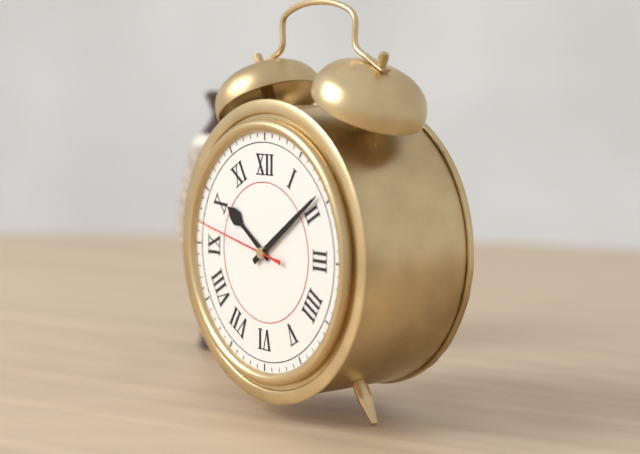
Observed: 10:09:47
